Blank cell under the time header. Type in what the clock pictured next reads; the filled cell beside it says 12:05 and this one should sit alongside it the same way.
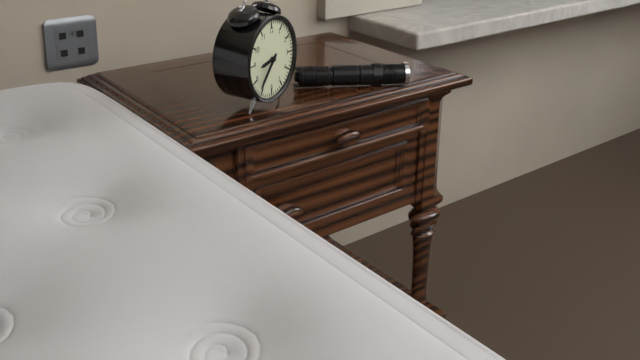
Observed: 8:37
